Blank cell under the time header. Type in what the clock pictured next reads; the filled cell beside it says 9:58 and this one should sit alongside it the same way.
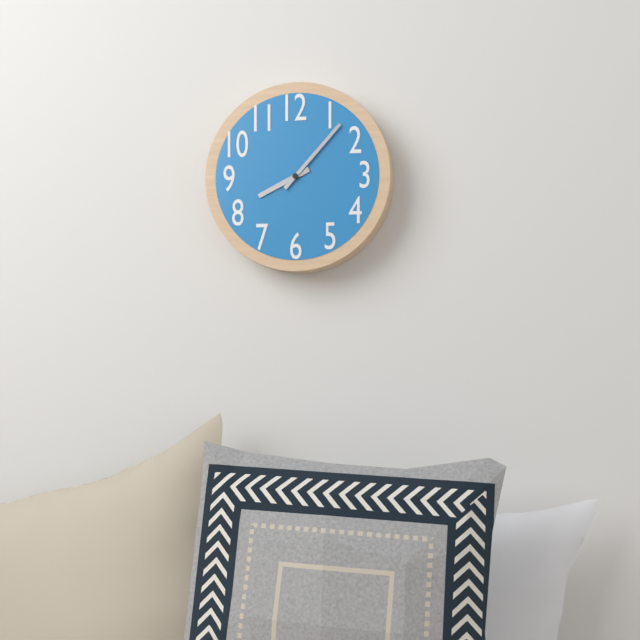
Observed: 8:07
